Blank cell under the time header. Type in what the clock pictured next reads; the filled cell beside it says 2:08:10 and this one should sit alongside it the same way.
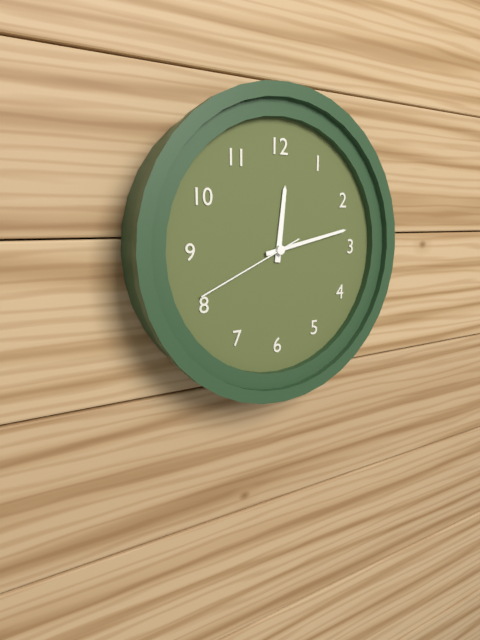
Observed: 12:13:41
